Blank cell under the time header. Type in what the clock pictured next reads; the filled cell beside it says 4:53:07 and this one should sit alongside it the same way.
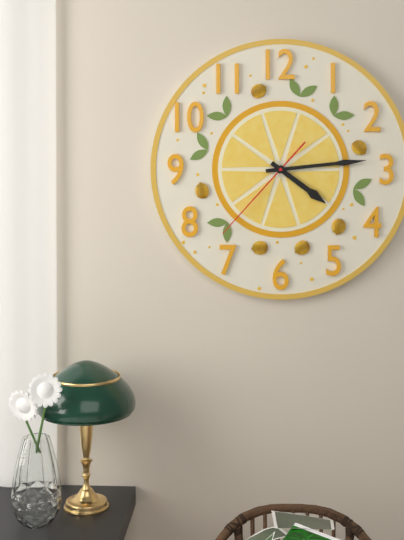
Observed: 4:14:37
